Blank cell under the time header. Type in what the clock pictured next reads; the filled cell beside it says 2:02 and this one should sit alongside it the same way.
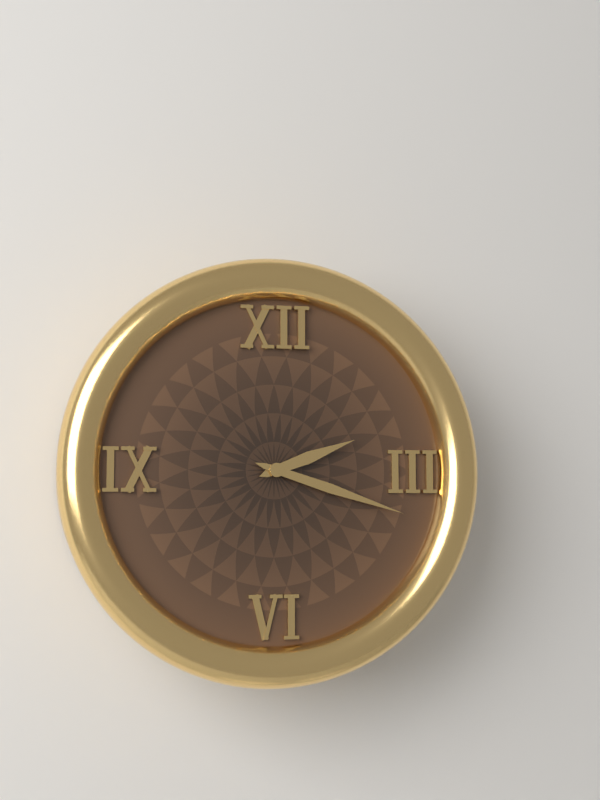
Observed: 2:18
